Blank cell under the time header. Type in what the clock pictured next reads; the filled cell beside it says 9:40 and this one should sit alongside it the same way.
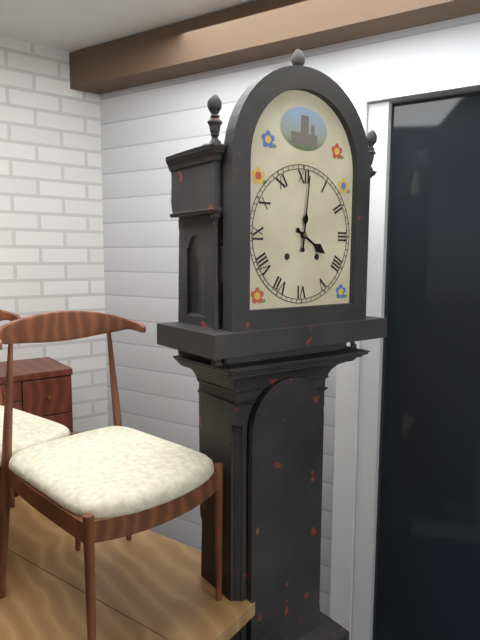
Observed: 4:01
